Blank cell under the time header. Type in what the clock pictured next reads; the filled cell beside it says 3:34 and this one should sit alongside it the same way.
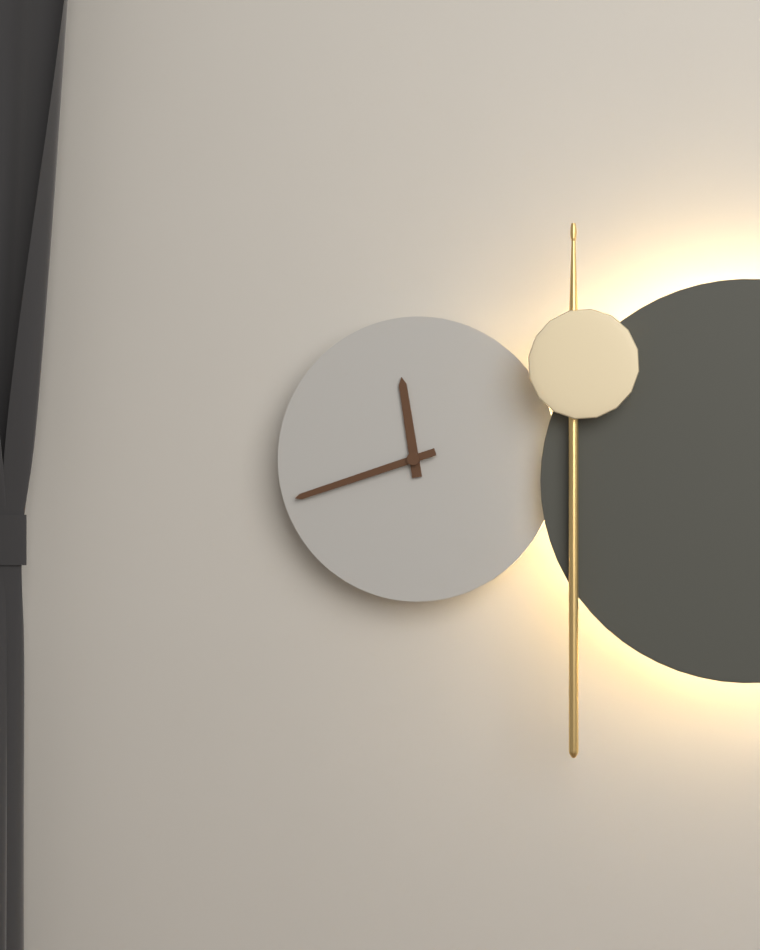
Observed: 11:42
